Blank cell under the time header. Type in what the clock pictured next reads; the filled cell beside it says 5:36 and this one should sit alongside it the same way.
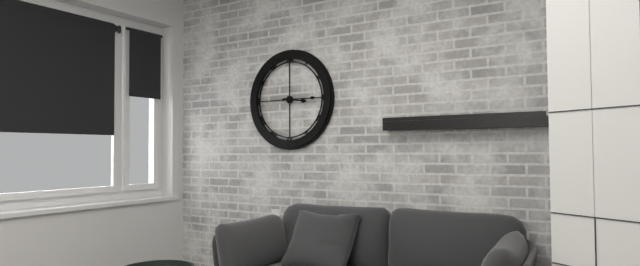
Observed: 3:15
